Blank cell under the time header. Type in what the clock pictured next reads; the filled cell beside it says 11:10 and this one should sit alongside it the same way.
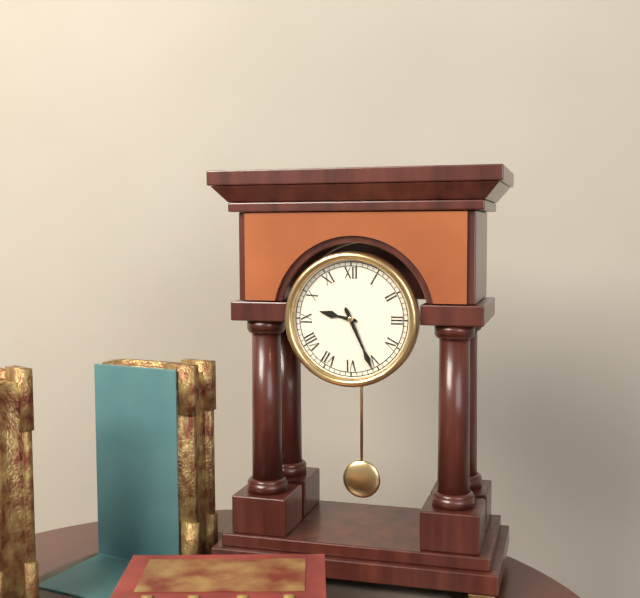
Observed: 9:26
